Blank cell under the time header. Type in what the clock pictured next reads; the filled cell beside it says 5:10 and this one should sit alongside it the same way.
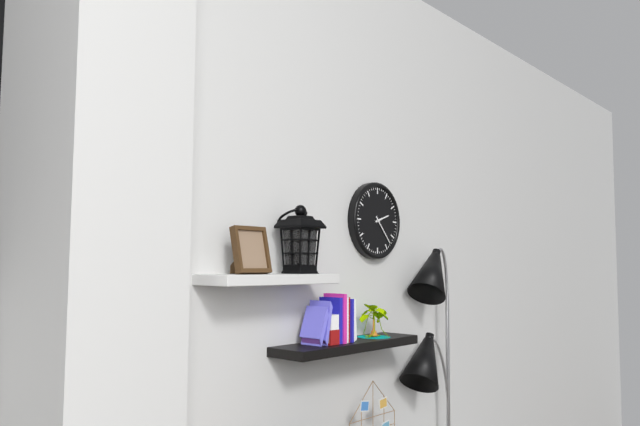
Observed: 2:23
